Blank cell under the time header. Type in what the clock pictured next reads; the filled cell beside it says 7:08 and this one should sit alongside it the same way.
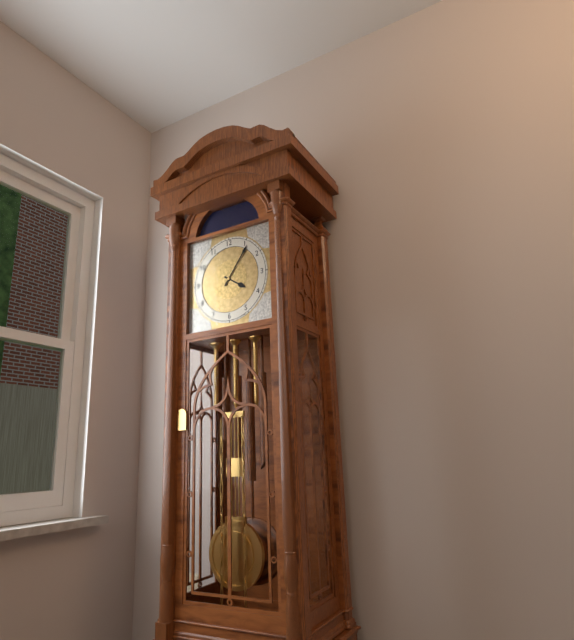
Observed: 4:06
